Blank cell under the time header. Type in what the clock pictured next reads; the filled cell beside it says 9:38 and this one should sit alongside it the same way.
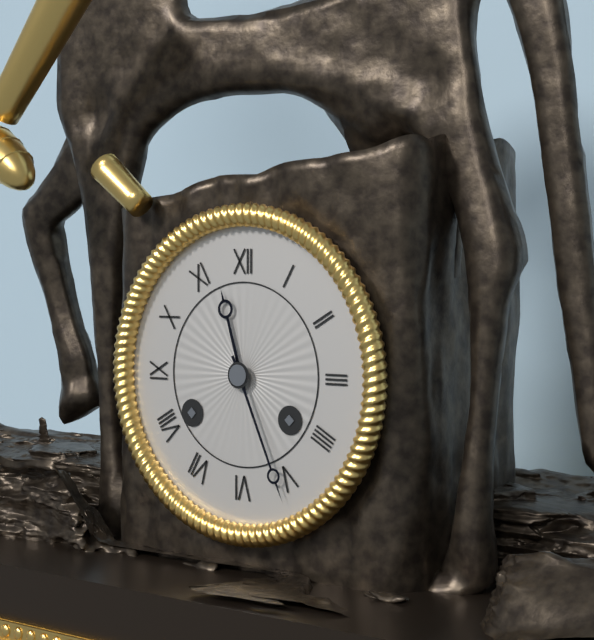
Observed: 11:26
